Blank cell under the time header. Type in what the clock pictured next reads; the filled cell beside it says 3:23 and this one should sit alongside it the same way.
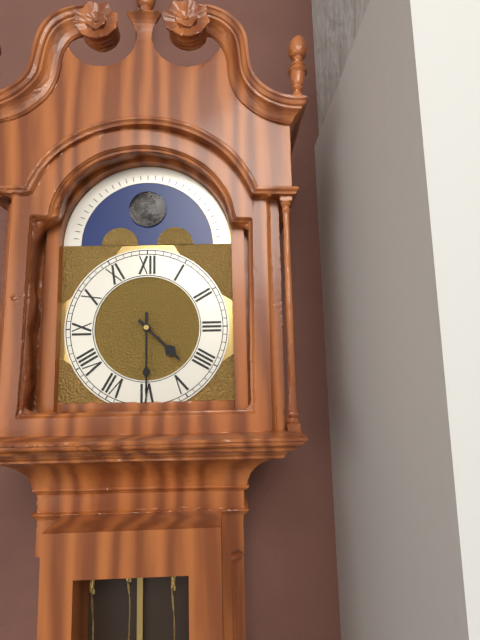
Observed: 4:30
